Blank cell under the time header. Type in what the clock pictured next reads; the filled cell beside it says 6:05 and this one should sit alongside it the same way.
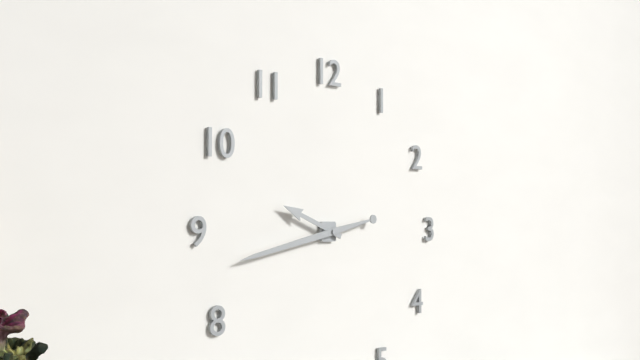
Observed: 9:43
